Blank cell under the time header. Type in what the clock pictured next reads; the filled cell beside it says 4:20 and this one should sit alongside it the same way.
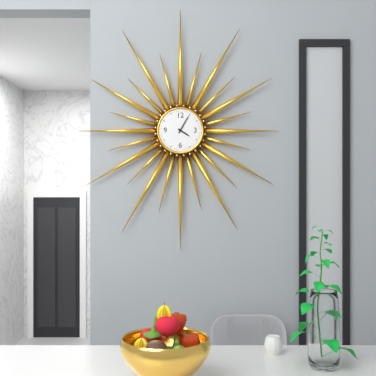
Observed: 4:05
